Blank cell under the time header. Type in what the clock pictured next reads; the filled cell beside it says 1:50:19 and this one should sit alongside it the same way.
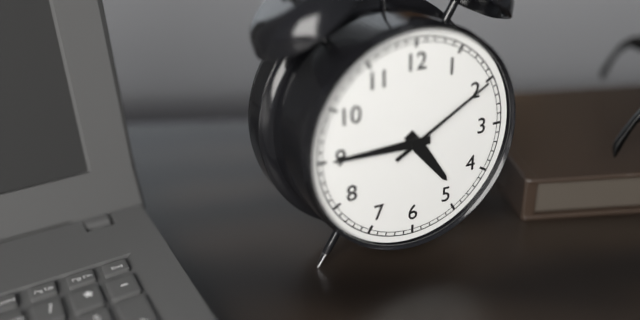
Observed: 4:45:10
